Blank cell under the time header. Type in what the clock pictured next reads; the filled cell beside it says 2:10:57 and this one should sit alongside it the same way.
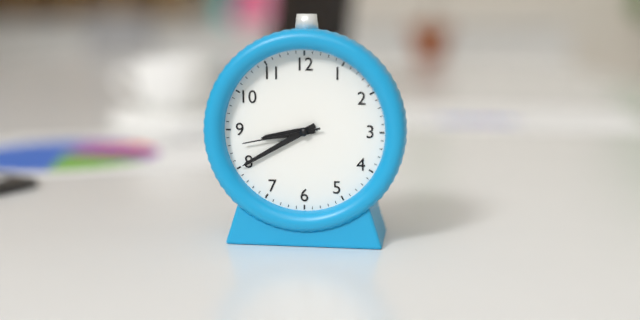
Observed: 8:40:43
